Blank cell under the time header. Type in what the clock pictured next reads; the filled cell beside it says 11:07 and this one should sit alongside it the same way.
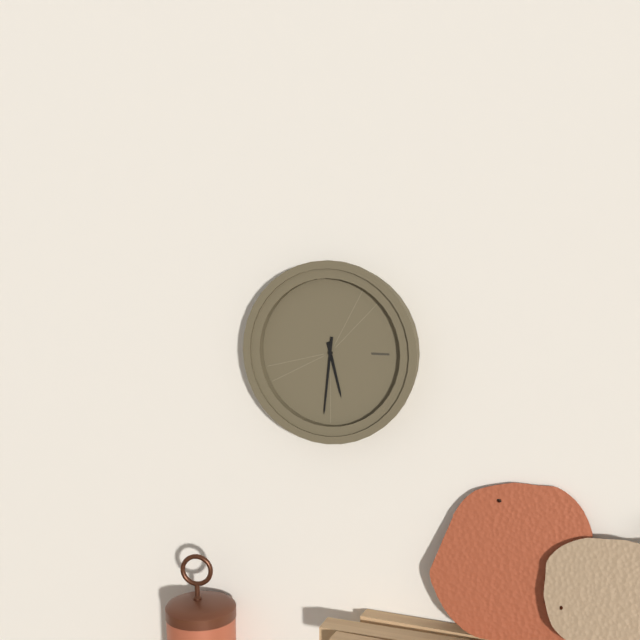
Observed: 5:31
